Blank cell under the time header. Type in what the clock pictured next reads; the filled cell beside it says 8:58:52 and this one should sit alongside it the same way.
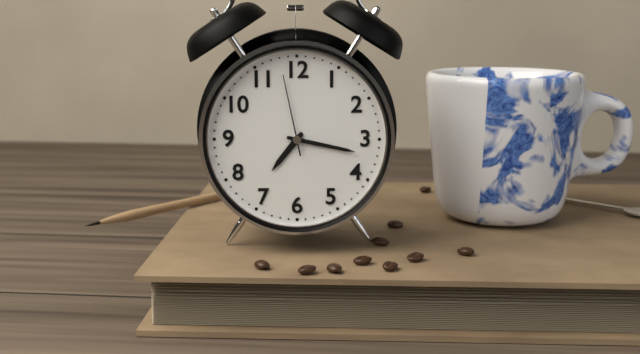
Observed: 7:17:58
